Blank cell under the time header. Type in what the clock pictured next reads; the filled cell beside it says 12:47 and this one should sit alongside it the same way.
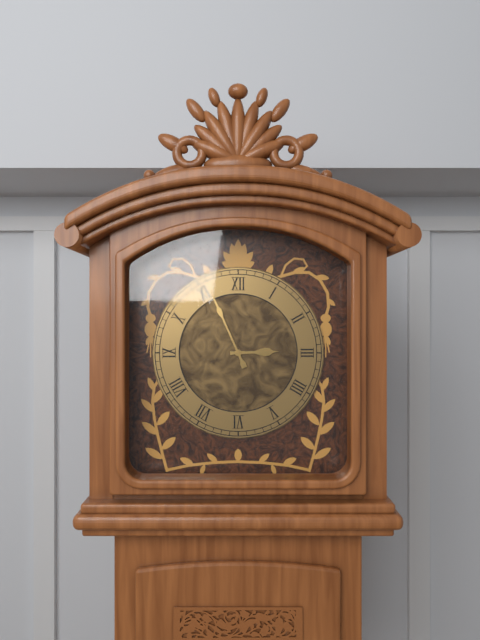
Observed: 2:56
